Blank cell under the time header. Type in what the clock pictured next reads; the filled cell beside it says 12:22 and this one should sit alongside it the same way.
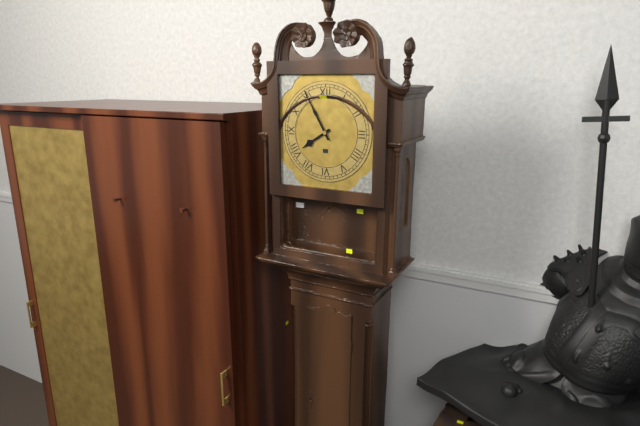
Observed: 7:55
